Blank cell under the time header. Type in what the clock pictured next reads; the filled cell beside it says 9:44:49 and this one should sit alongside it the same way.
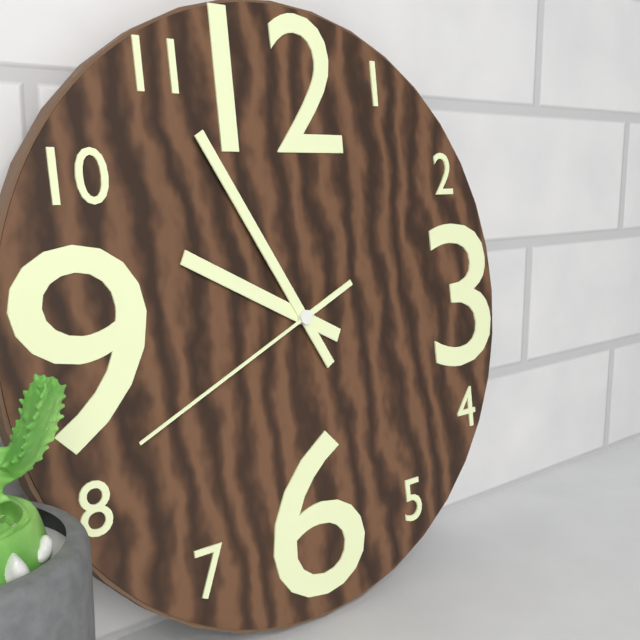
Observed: 9:55:41
